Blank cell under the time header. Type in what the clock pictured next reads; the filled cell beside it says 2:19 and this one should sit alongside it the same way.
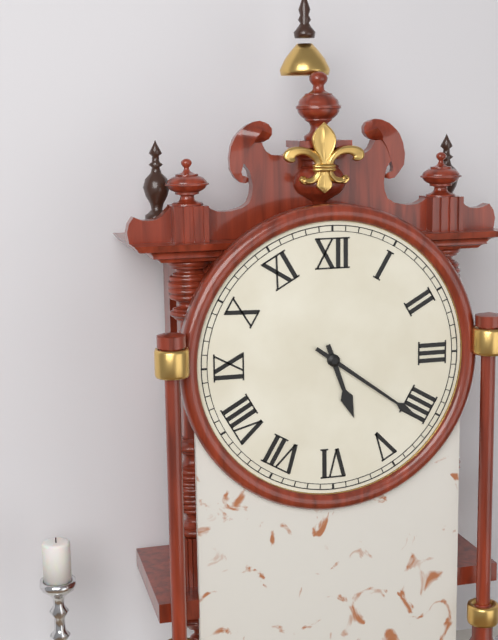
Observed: 5:21
